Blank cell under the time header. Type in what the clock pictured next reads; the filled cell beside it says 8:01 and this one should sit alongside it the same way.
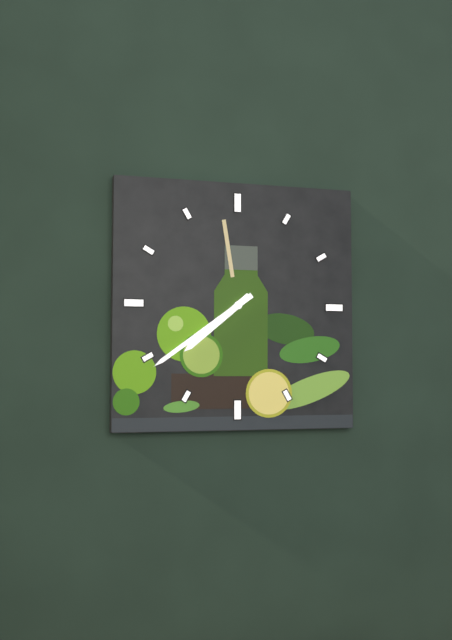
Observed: 7:39
